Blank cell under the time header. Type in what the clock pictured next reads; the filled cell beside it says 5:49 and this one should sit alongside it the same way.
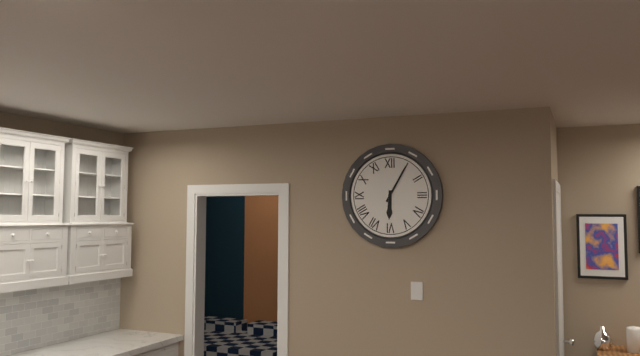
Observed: 6:05
